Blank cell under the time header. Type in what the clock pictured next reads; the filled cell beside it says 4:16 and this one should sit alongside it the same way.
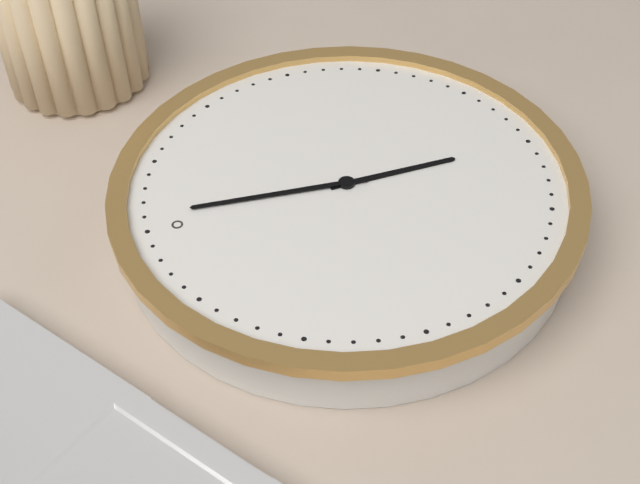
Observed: 6:01
